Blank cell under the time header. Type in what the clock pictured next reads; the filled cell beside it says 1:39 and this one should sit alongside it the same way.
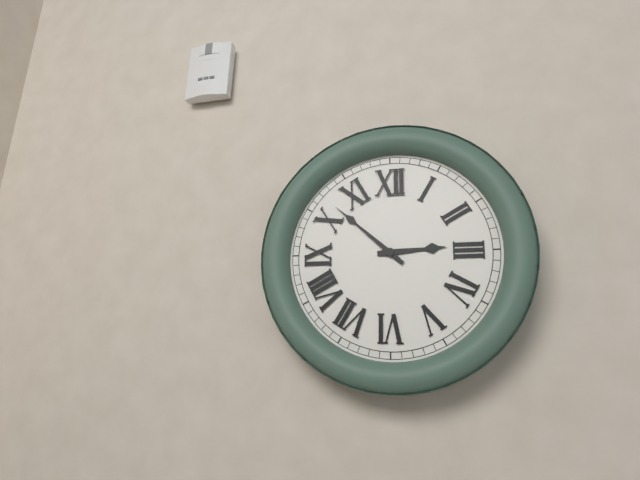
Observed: 2:52
